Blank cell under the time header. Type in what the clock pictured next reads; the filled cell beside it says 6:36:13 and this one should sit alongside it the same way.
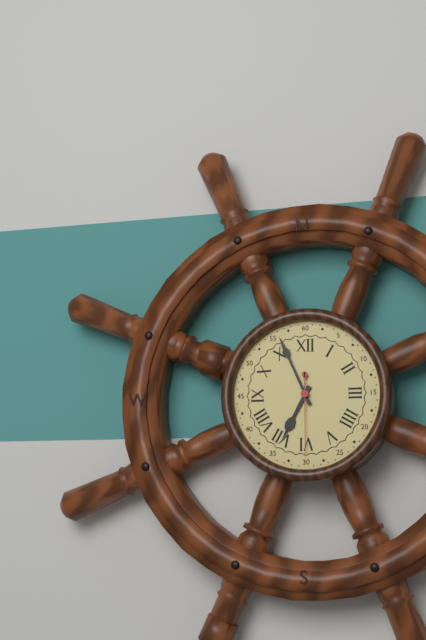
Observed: 6:56:30
